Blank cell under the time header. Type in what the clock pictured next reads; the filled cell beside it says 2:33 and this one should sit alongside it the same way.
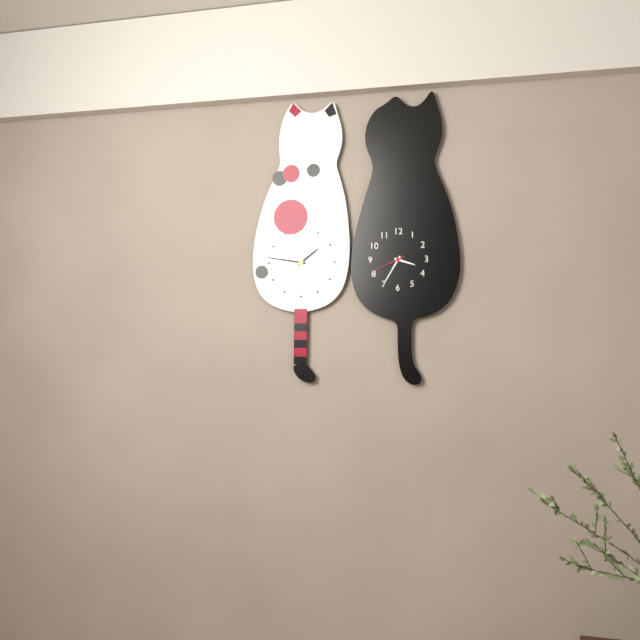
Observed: 3:35
